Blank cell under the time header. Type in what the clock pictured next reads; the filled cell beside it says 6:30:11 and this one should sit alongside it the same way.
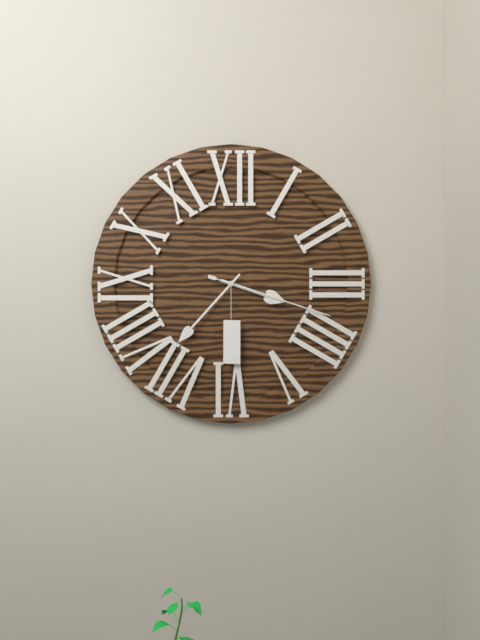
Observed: 3:37:18
